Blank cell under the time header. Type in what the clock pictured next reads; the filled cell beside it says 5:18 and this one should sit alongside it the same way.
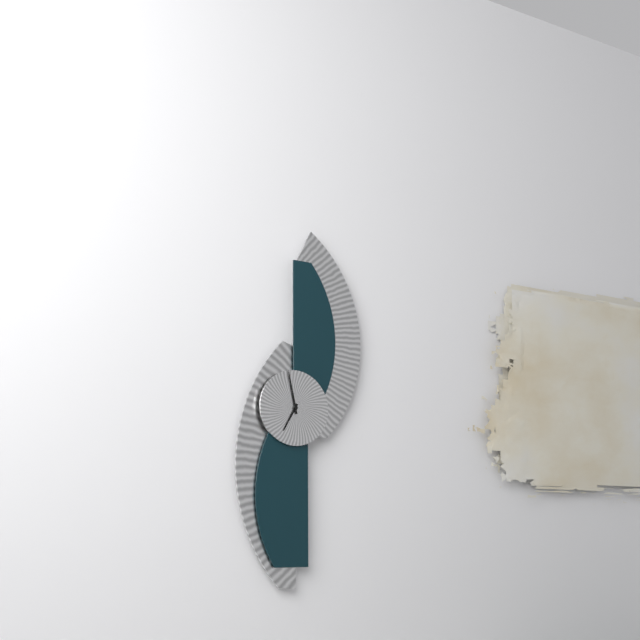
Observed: 6:58
